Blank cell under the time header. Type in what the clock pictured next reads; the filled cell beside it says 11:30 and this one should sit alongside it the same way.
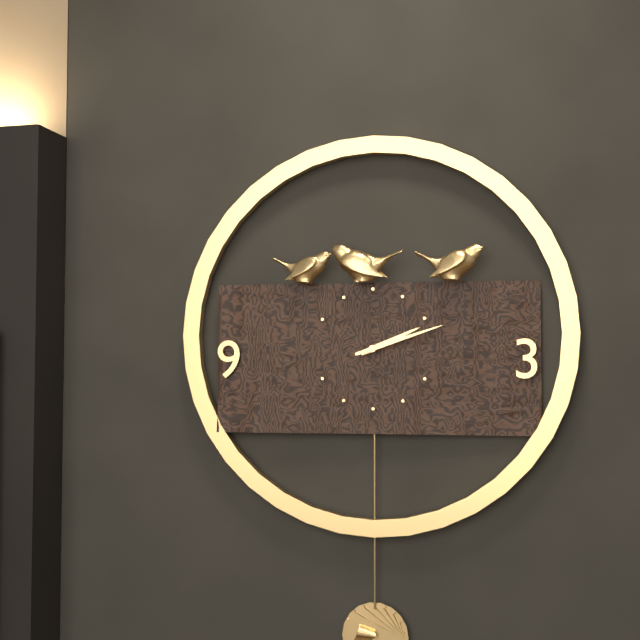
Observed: 2:12
